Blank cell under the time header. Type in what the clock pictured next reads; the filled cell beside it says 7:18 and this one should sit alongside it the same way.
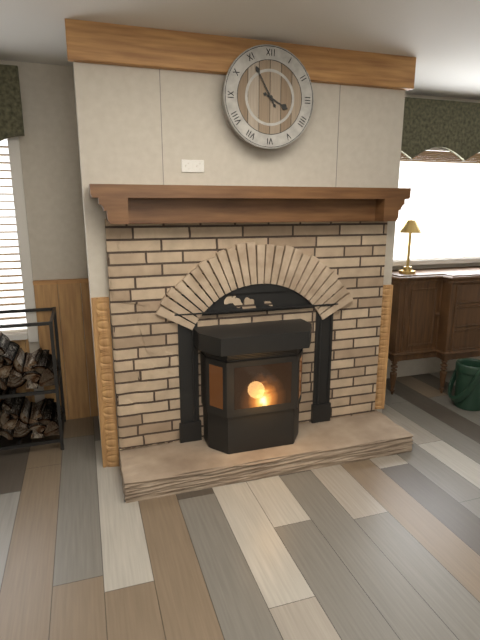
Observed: 3:55
